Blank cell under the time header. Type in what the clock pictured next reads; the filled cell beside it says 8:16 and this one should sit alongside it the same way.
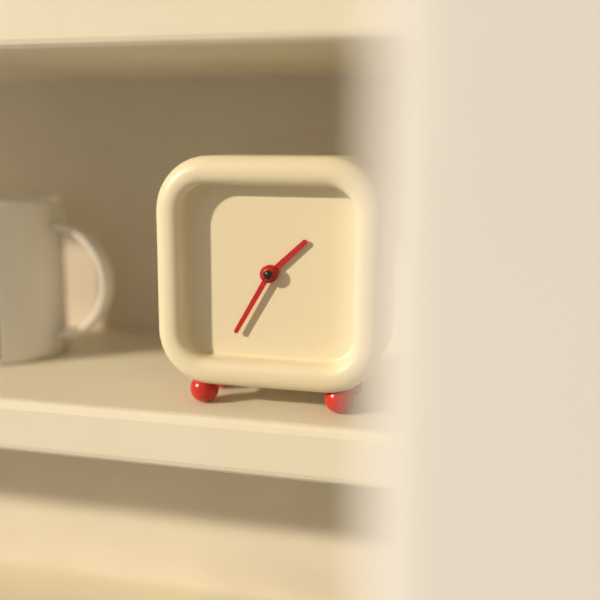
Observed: 1:35
